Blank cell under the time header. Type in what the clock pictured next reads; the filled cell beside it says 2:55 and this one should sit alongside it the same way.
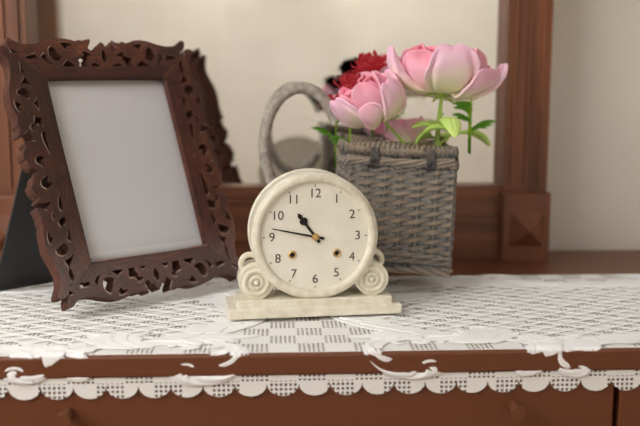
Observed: 10:47
